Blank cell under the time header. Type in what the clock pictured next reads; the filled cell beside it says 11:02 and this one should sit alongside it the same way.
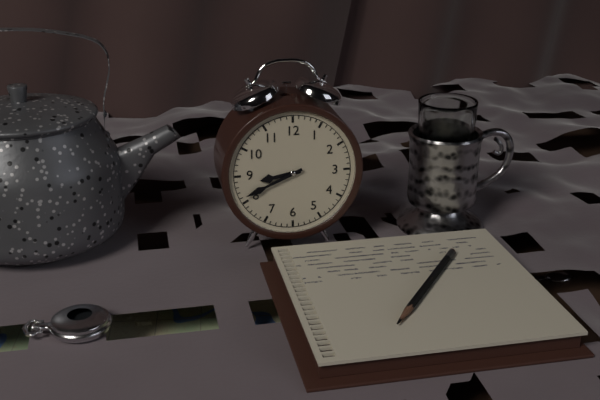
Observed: 8:41
